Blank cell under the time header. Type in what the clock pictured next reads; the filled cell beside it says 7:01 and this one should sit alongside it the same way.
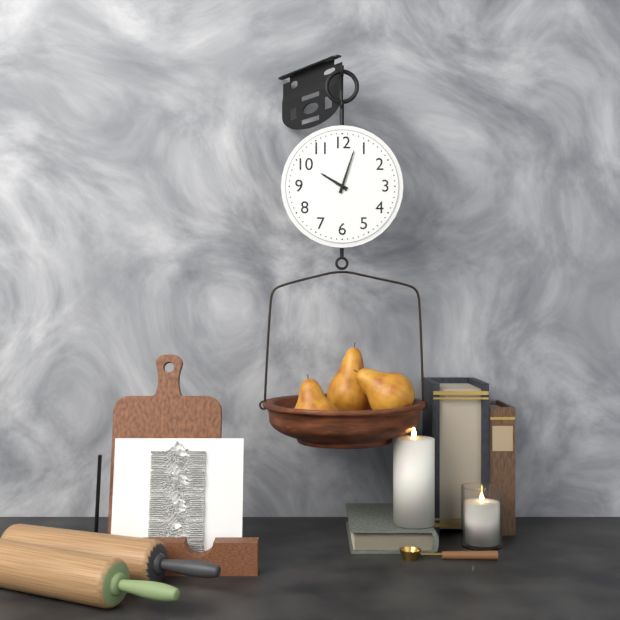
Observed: 10:03
